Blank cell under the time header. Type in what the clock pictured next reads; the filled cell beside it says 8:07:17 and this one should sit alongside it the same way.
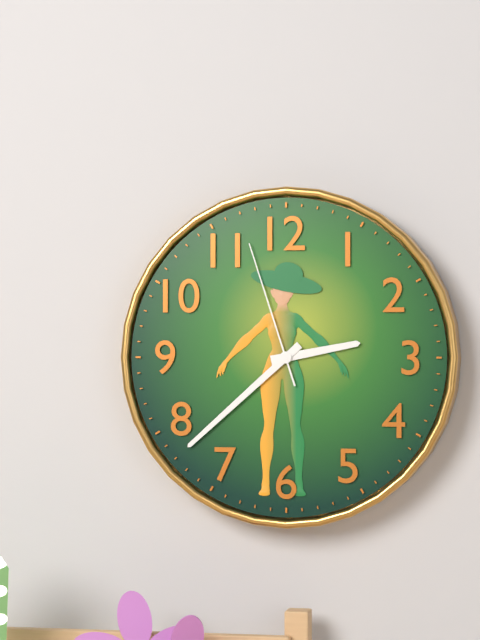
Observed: 2:38:57
